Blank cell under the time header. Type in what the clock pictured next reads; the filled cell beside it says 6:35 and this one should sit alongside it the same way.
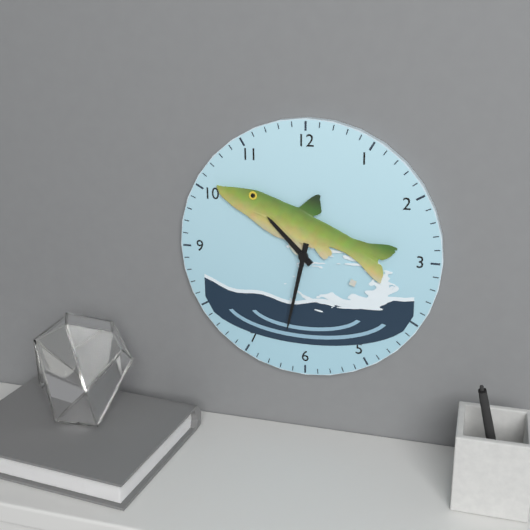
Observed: 10:32
